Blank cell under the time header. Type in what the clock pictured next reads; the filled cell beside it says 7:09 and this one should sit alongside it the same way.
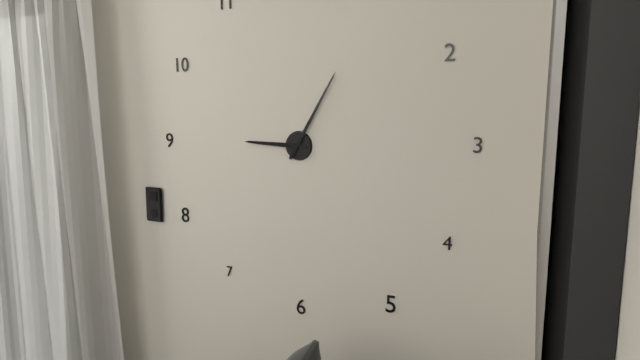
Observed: 9:05
